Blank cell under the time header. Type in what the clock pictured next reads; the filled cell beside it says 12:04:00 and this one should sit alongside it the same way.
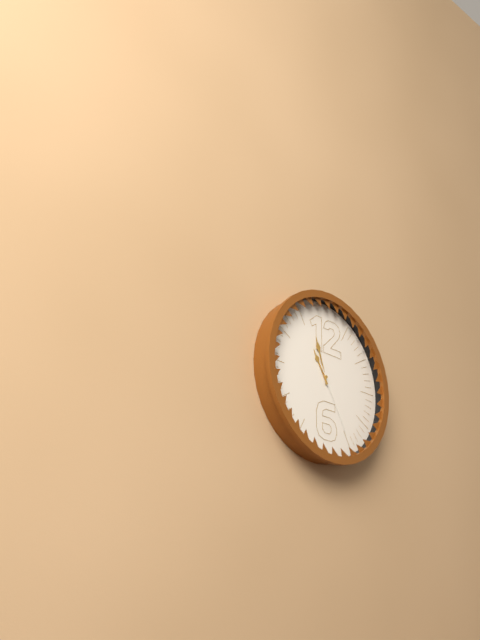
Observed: 10:57:25
